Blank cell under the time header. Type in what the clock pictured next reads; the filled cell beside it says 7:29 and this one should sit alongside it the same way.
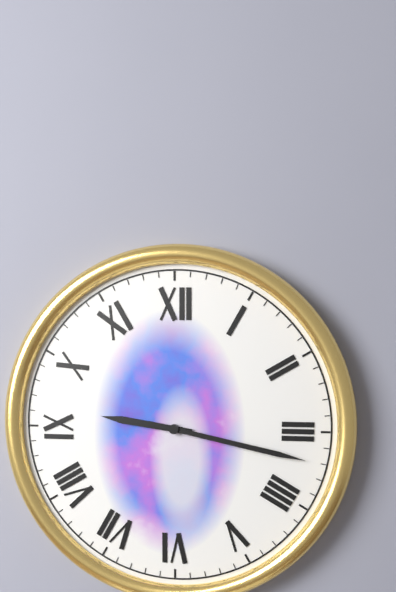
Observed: 9:17
